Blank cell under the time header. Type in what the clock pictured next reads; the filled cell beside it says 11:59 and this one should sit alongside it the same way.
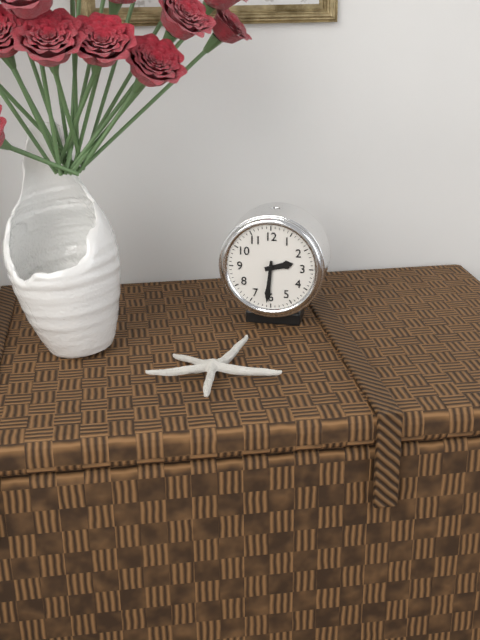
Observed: 2:31
